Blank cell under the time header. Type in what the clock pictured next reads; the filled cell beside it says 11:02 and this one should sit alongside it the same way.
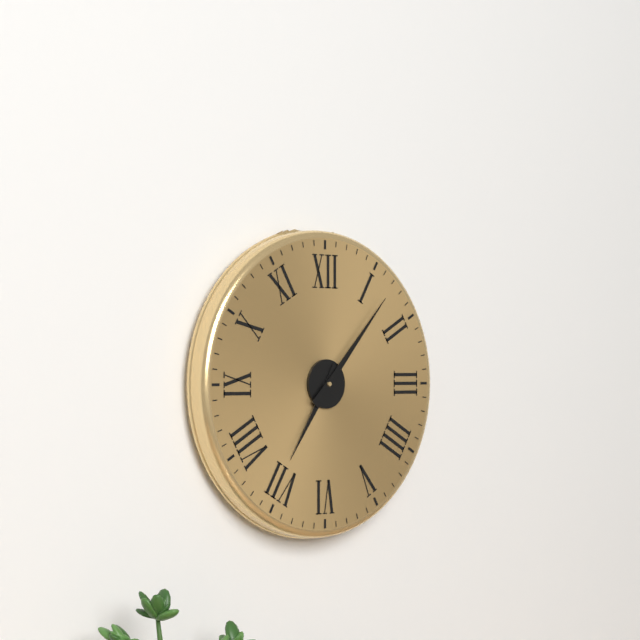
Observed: 7:07
